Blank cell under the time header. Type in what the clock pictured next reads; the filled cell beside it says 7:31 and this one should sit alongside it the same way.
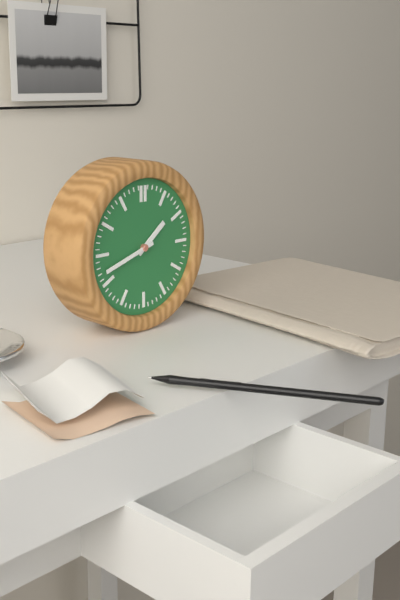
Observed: 1:42
